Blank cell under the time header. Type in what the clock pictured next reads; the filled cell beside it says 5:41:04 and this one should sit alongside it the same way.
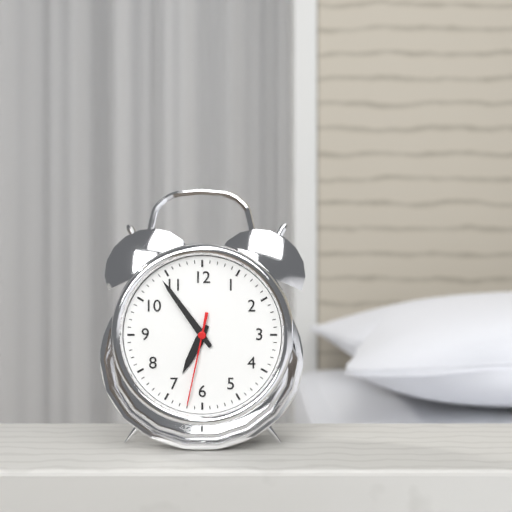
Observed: 6:54:32
